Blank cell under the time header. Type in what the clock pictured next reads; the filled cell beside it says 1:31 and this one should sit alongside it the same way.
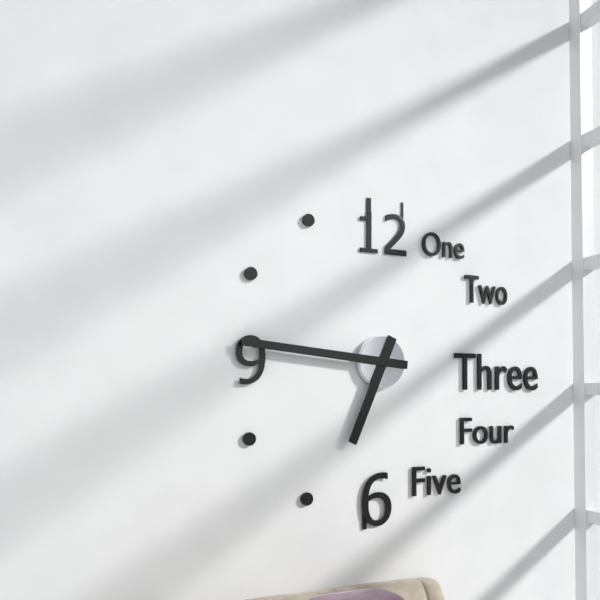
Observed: 6:46
